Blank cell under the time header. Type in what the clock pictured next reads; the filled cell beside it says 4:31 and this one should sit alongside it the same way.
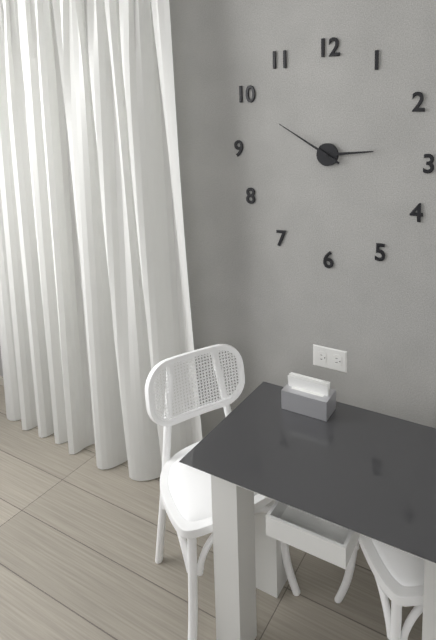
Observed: 2:50
